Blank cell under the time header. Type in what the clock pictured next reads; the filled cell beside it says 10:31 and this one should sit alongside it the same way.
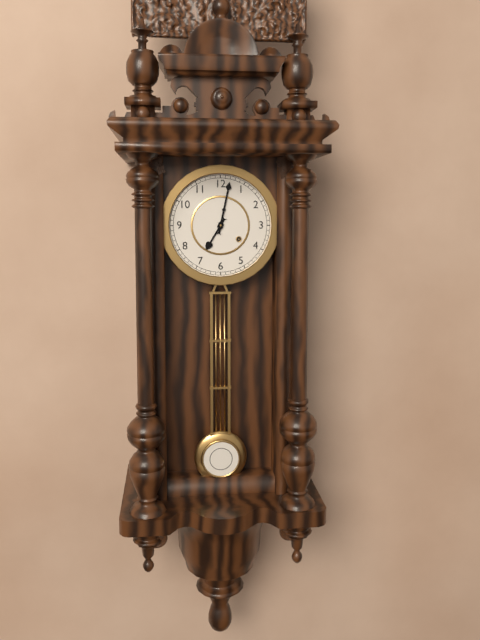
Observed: 7:02
